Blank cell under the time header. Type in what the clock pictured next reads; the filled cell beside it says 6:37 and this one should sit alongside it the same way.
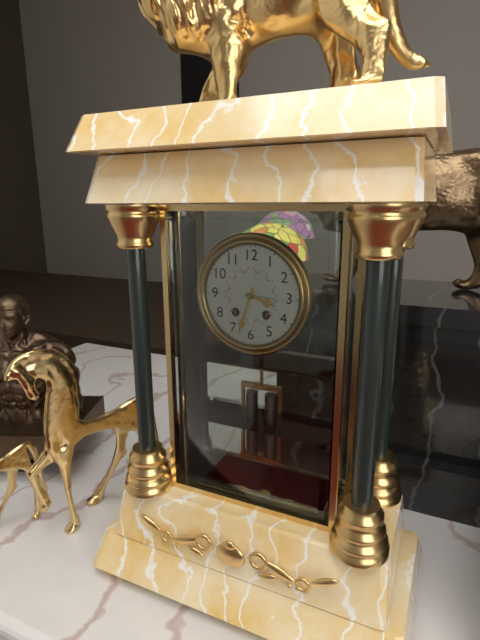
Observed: 3:33
